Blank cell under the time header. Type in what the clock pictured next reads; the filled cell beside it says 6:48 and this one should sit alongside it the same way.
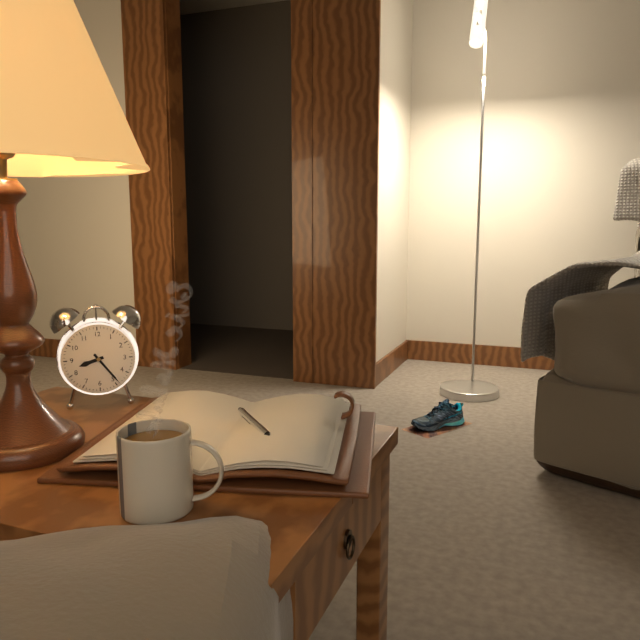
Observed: 8:24
